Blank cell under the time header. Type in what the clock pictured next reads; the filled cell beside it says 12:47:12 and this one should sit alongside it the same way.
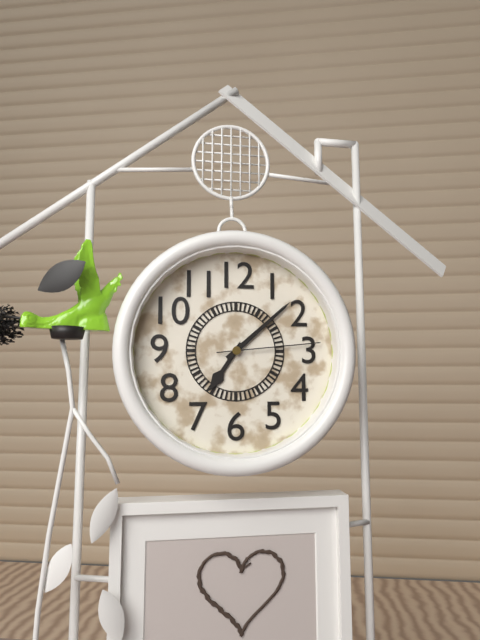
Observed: 7:08:14
